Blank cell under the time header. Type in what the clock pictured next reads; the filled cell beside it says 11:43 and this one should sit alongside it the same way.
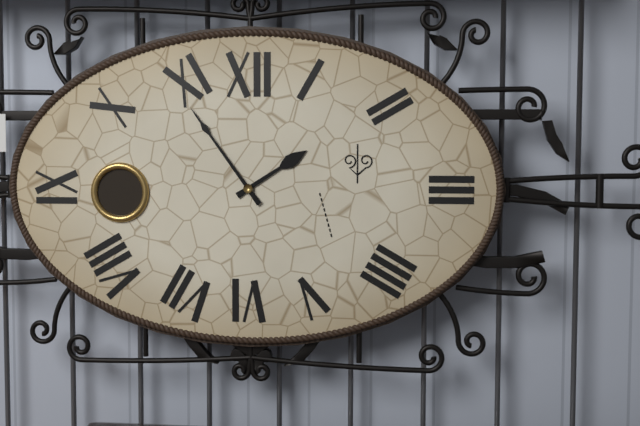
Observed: 1:54
